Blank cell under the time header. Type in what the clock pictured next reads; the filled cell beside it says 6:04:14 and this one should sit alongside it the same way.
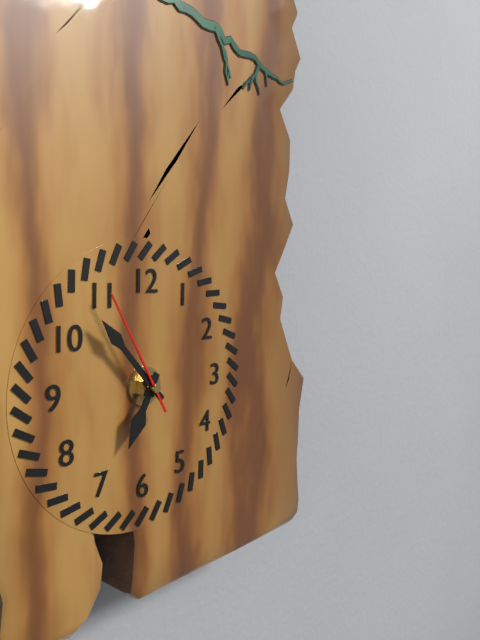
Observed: 6:53:55
